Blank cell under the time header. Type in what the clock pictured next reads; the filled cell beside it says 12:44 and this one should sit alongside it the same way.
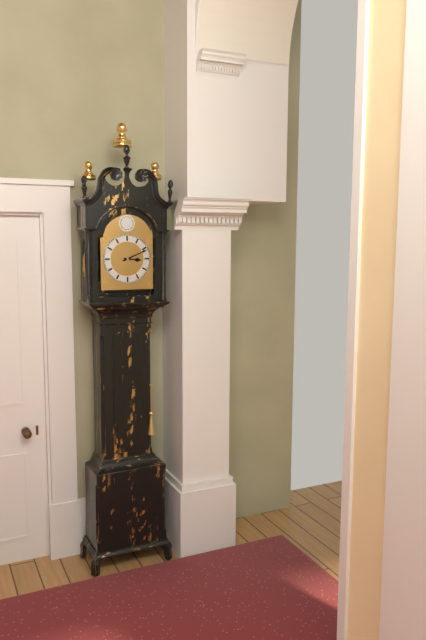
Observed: 3:11
